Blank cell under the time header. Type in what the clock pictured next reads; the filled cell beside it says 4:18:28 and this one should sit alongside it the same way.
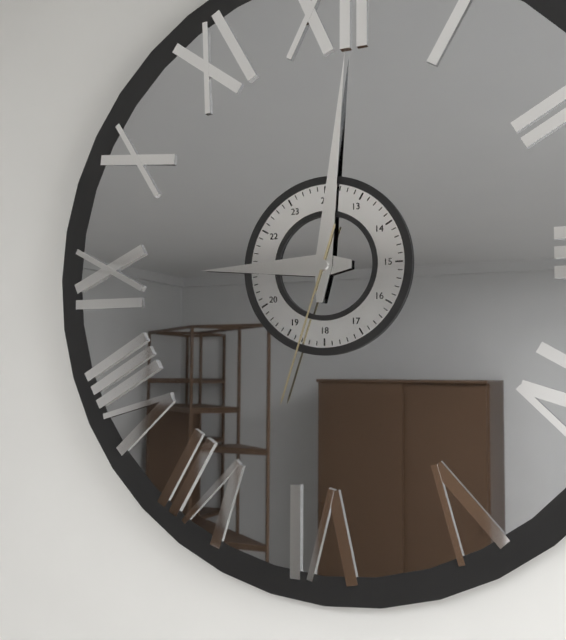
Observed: 9:01:33
